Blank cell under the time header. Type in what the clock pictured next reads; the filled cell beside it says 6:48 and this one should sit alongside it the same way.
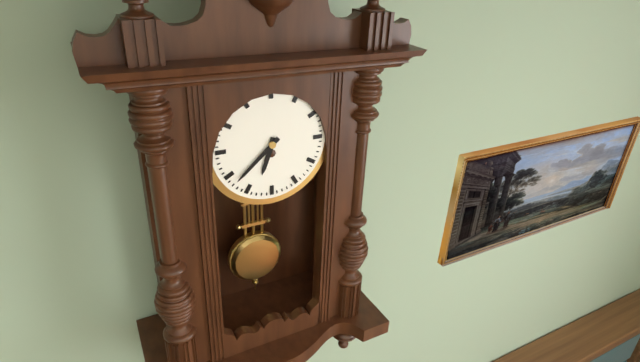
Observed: 6:38
